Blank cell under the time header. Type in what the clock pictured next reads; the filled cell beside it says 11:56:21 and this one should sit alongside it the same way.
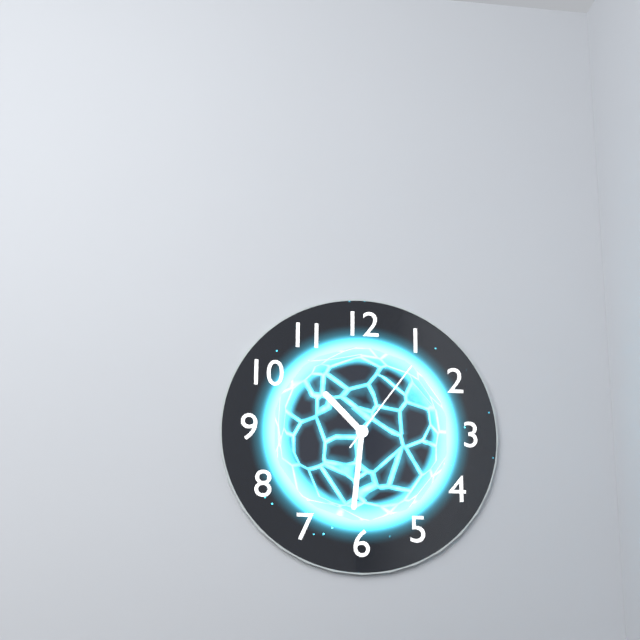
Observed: 10:31:06
